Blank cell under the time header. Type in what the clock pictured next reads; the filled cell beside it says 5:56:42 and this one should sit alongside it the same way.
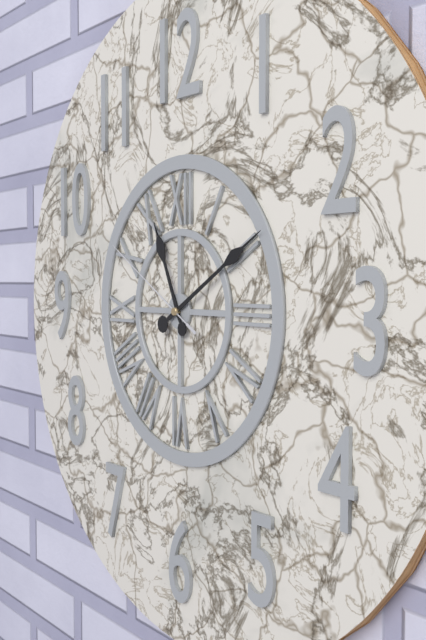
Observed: 11:10:50
